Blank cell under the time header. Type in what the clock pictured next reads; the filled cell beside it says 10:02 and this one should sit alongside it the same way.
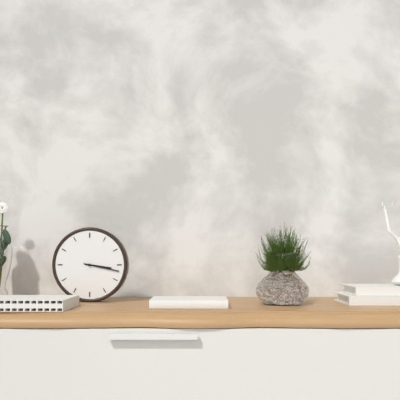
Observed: 3:17
